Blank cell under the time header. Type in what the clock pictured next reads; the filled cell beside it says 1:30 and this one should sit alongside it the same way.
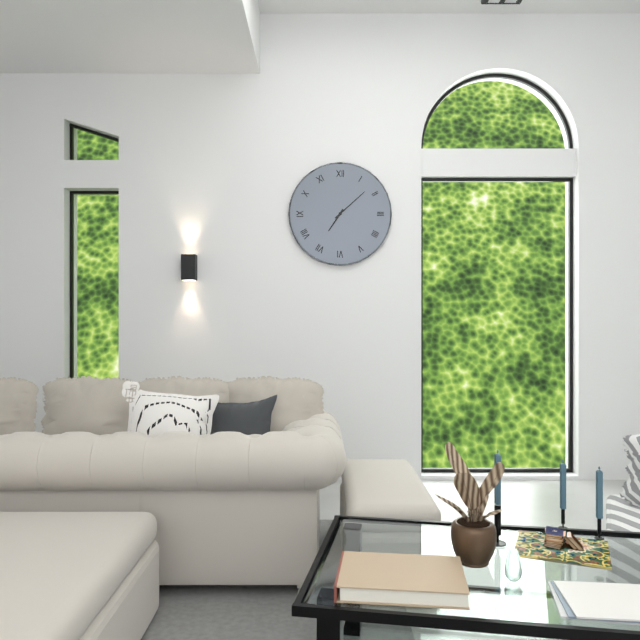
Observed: 7:08
